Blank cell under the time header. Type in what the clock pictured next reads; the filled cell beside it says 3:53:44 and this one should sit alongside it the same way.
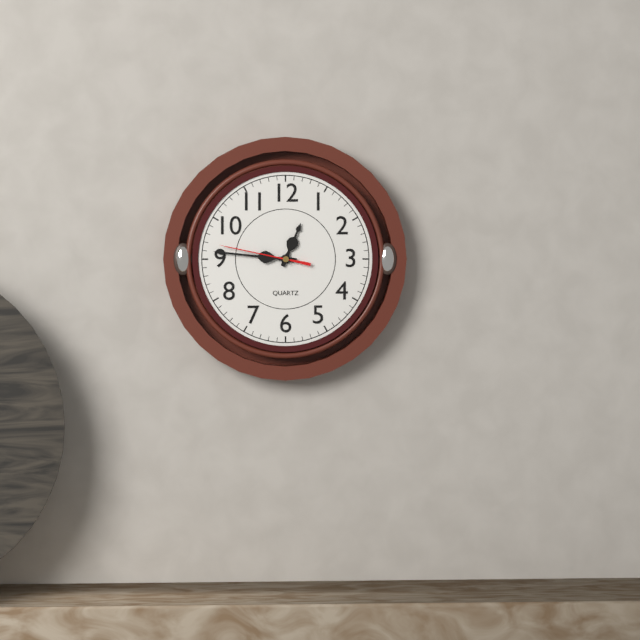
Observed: 12:46:47
